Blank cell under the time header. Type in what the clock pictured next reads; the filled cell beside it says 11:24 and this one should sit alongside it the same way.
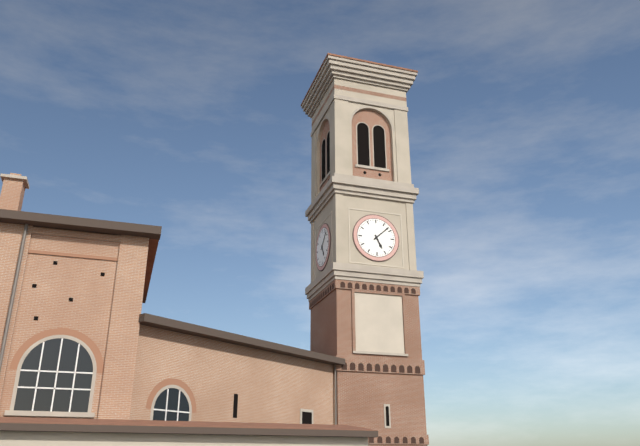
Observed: 5:08
